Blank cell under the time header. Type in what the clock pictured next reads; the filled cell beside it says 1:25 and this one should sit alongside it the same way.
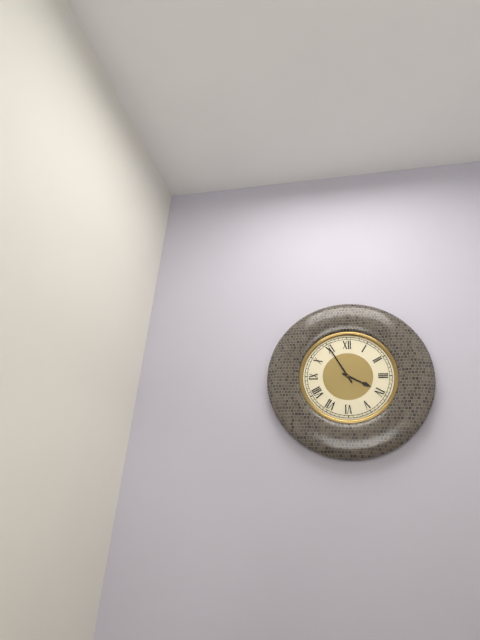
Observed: 3:55
